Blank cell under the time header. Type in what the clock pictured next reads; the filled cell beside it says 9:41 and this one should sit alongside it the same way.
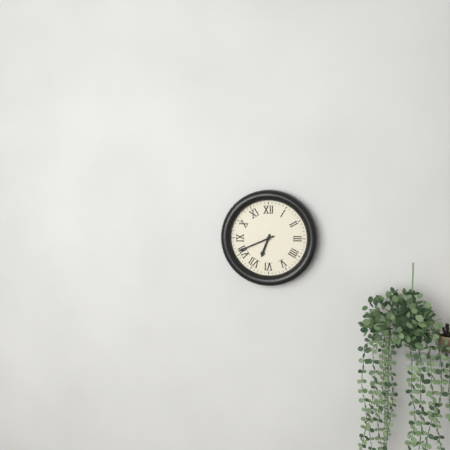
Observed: 6:41
